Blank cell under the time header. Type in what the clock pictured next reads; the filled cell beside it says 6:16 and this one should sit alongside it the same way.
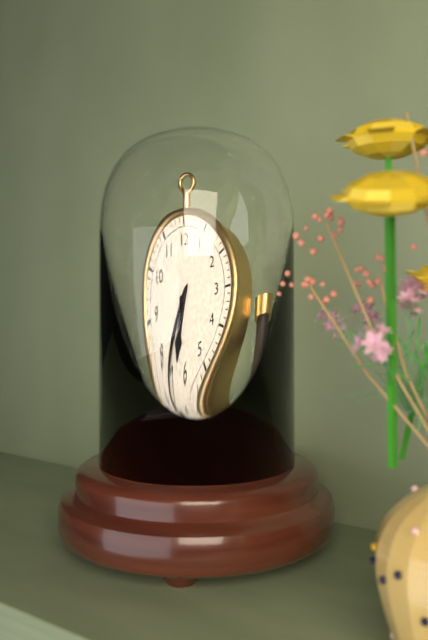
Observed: 6:36
